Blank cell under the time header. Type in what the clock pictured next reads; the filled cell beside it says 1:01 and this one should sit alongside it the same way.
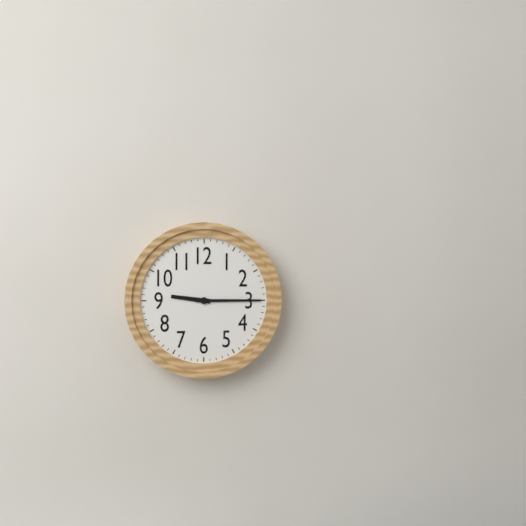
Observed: 9:15
